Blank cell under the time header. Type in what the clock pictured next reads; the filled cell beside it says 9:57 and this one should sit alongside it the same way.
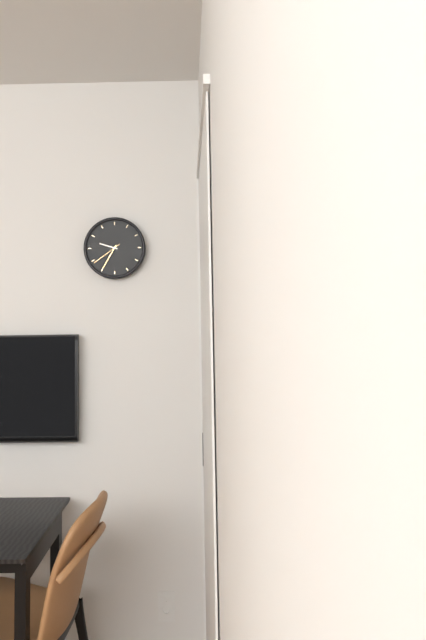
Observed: 9:35
